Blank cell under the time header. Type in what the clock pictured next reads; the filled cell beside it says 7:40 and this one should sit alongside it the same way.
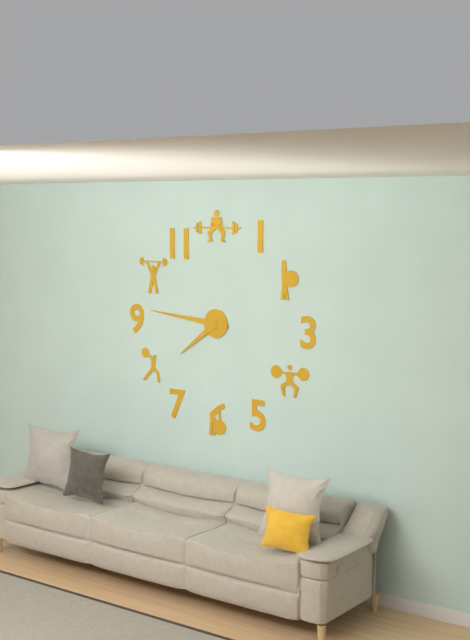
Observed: 7:46
